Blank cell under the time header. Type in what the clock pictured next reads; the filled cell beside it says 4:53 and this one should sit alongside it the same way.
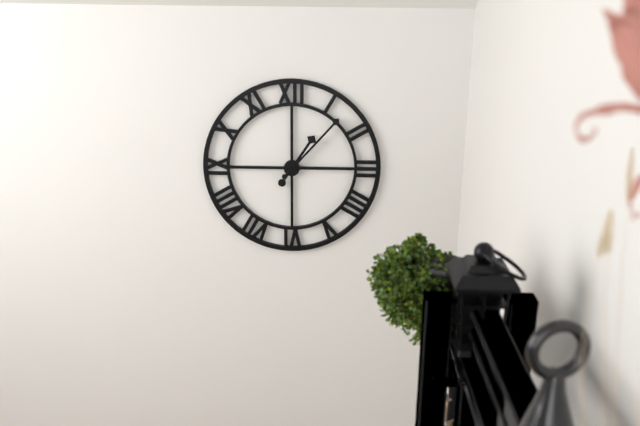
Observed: 1:07
